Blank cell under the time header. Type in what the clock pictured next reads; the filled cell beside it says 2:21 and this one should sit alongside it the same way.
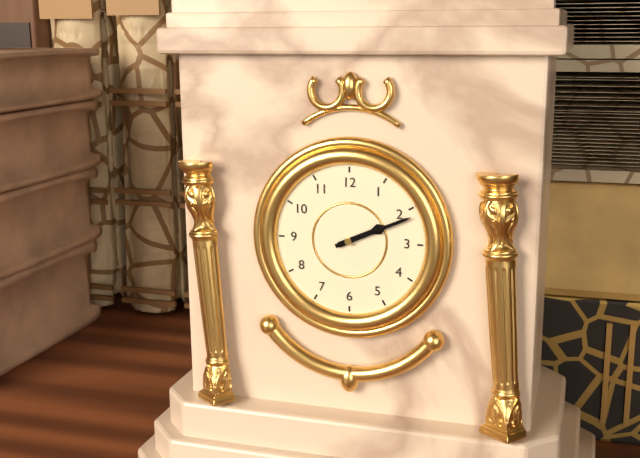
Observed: 2:11
